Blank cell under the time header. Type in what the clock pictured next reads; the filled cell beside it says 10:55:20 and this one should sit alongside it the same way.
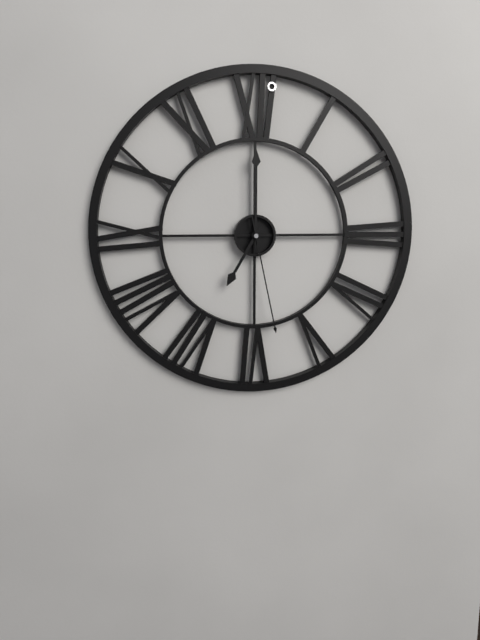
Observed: 7:00:28
